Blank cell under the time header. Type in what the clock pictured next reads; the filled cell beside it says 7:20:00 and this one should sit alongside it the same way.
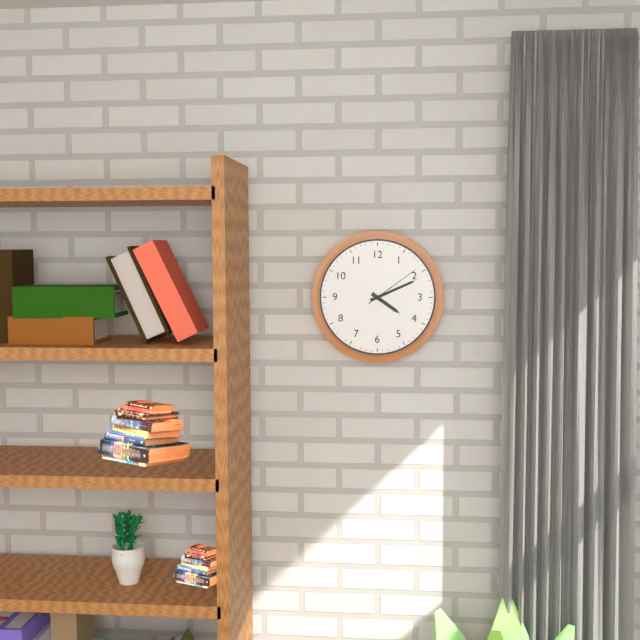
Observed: 4:11:09
